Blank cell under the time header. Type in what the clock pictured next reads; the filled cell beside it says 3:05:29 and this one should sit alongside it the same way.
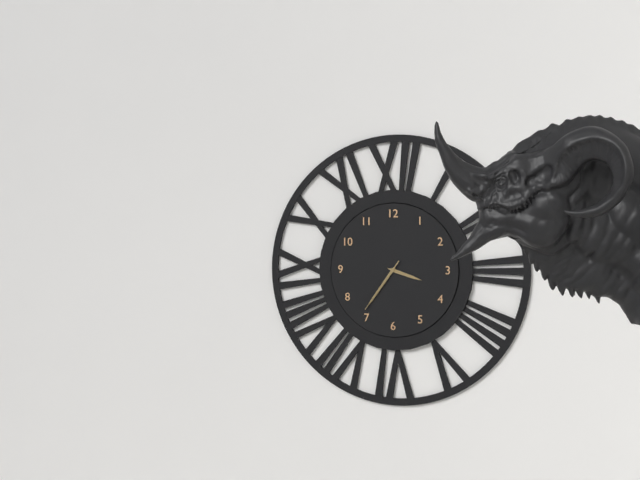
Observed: 3:36:36
